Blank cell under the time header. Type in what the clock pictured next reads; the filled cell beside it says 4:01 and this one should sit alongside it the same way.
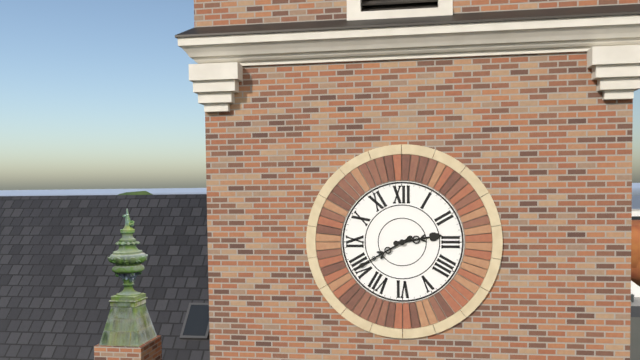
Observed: 2:40
